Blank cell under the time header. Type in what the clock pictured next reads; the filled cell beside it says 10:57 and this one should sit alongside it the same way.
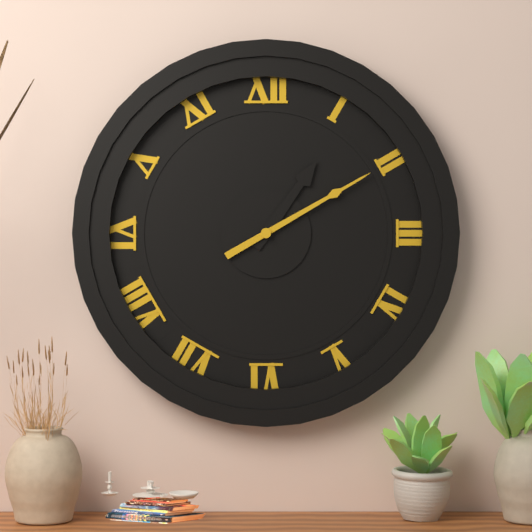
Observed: 1:10
